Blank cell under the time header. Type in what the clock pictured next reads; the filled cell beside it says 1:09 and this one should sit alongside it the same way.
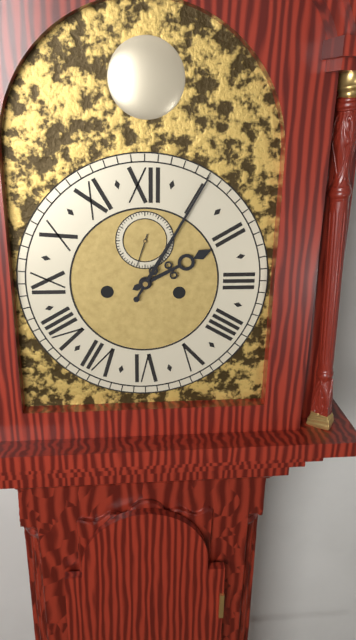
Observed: 2:05
